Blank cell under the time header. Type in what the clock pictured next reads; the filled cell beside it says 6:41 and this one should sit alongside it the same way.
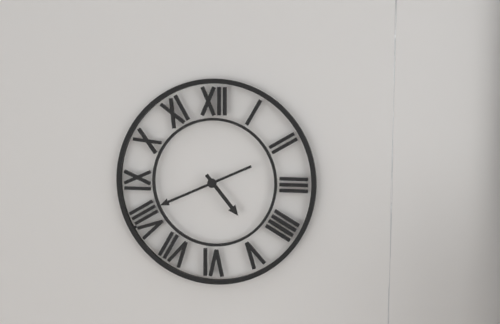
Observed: 4:41
